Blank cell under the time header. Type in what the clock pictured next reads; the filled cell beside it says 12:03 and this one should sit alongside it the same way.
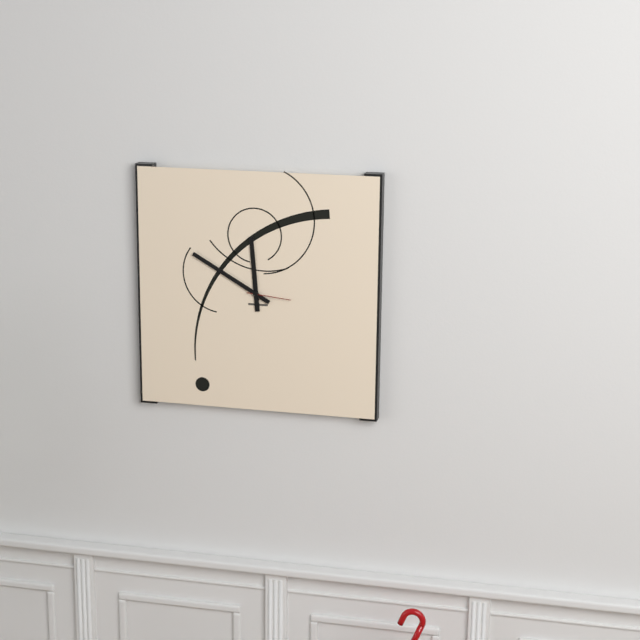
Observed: 11:50
